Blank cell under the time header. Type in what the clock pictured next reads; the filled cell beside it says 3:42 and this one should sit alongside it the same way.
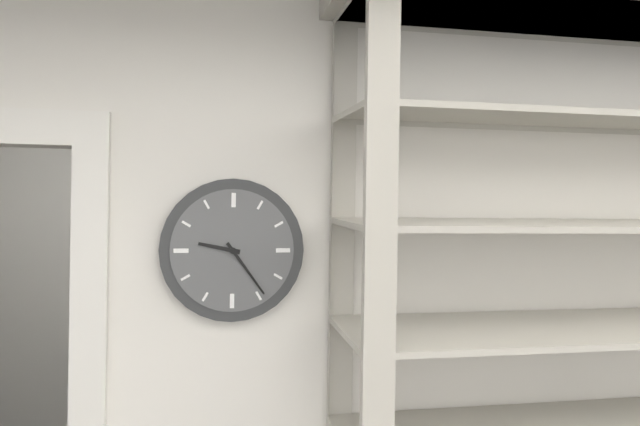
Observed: 9:24
